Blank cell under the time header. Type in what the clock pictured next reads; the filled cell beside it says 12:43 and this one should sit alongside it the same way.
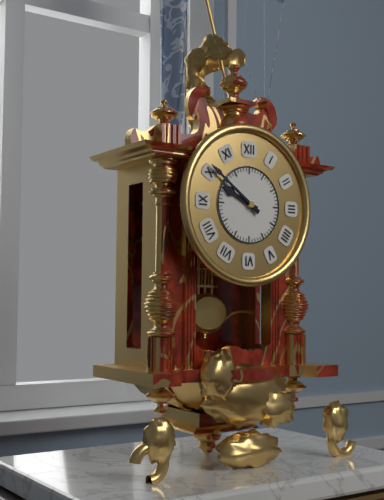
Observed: 9:51
